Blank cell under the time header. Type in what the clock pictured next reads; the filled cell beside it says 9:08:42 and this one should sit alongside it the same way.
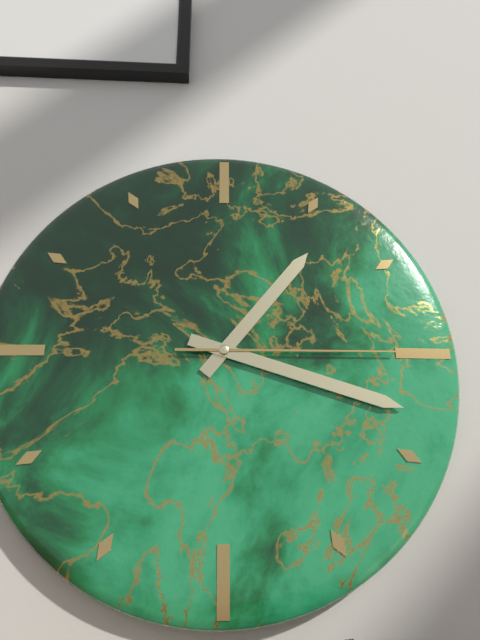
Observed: 1:18:15
